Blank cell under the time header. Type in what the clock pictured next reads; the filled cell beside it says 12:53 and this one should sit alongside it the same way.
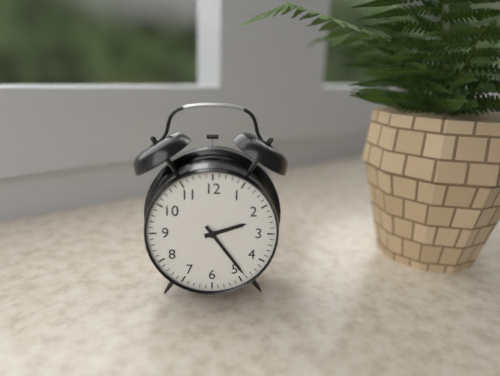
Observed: 2:24
